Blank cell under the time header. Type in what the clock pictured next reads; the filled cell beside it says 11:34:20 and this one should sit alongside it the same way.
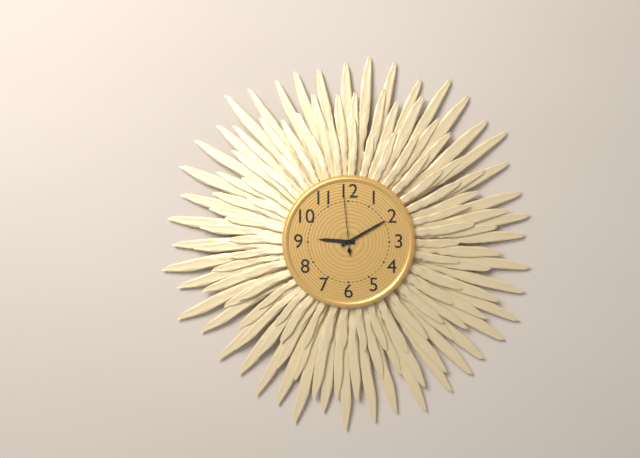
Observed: 9:10:59
